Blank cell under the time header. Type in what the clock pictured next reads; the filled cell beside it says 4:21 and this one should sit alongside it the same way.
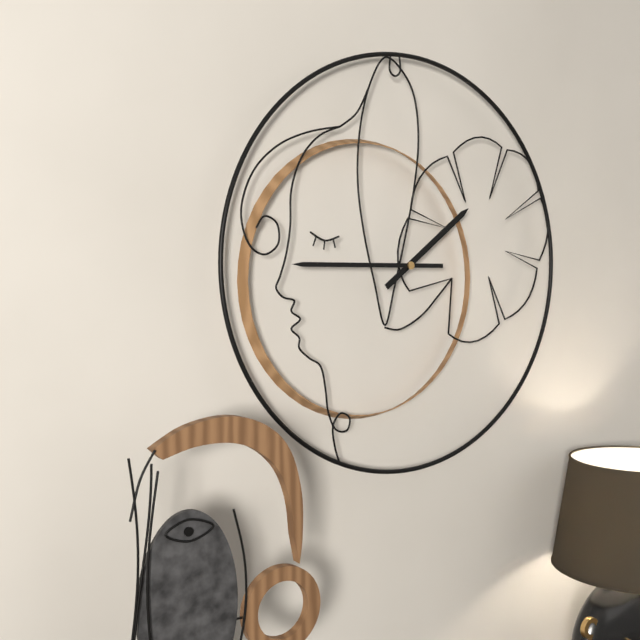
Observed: 1:45
